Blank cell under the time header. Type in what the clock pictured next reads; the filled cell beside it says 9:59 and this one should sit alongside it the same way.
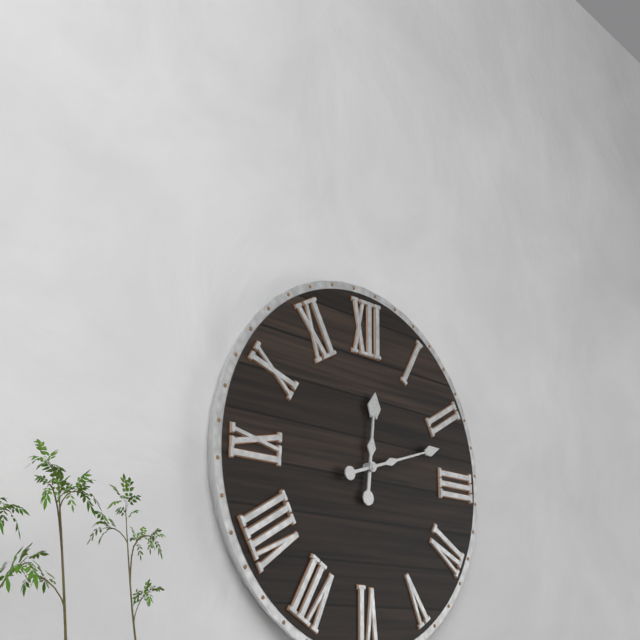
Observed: 12:12
